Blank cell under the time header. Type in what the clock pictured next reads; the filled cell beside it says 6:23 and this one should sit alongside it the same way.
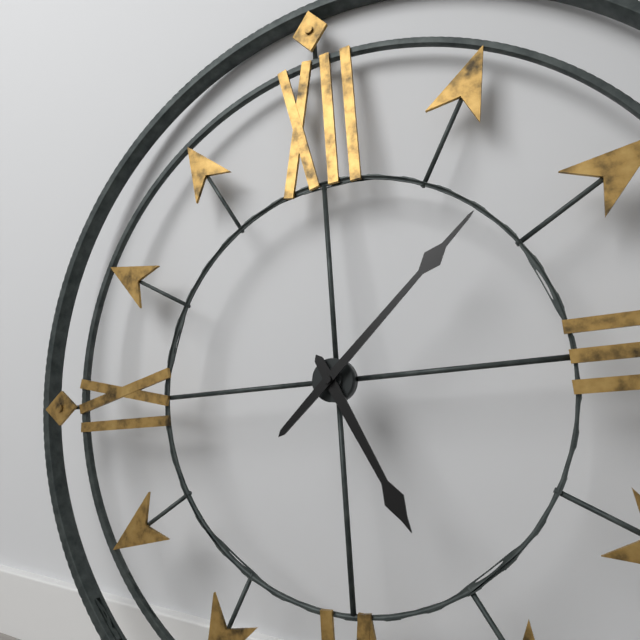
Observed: 5:08
